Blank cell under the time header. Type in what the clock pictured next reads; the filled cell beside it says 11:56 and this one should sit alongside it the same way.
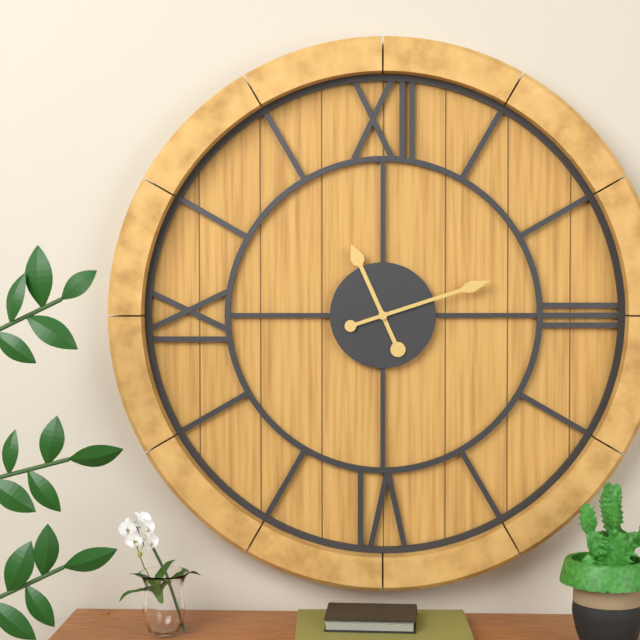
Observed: 11:12
